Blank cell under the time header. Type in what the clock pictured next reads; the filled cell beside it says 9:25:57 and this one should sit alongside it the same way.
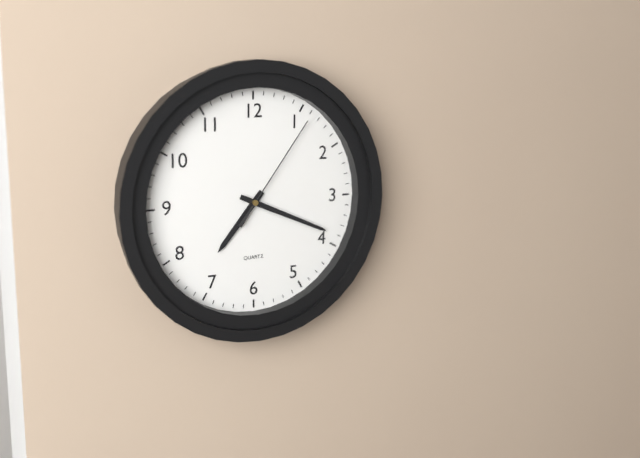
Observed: 7:19:06
